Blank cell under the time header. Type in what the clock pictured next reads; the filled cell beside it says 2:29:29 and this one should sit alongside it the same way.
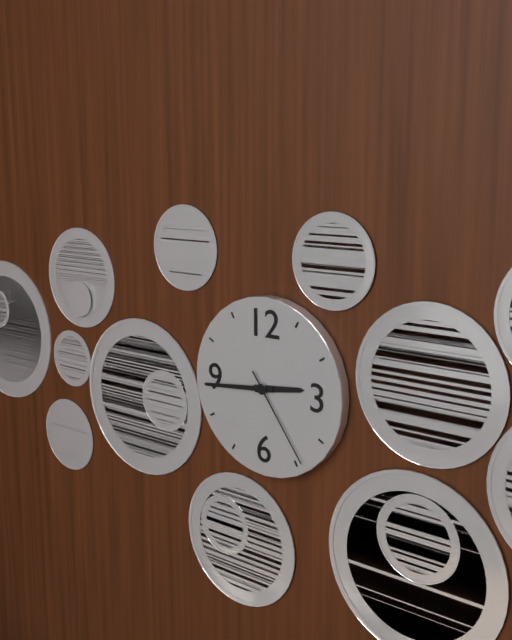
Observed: 2:44:24
